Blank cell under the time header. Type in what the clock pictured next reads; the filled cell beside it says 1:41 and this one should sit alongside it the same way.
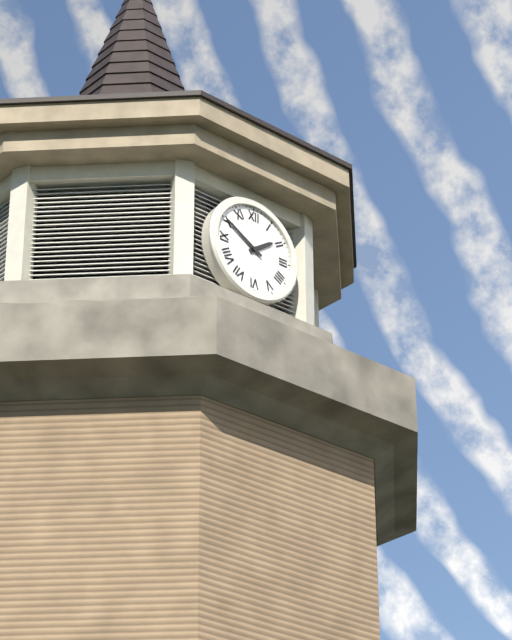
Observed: 1:50
